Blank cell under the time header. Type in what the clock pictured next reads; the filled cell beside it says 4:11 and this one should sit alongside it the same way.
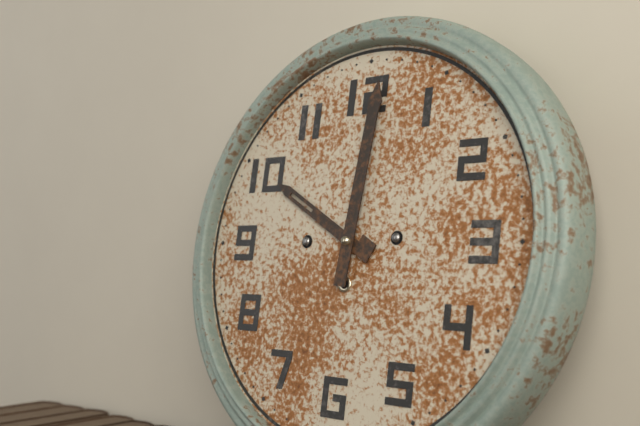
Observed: 10:01
